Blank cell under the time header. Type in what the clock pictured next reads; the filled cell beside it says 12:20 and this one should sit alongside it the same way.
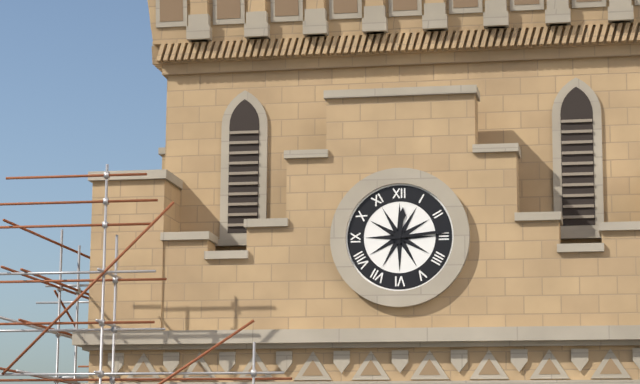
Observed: 12:14
